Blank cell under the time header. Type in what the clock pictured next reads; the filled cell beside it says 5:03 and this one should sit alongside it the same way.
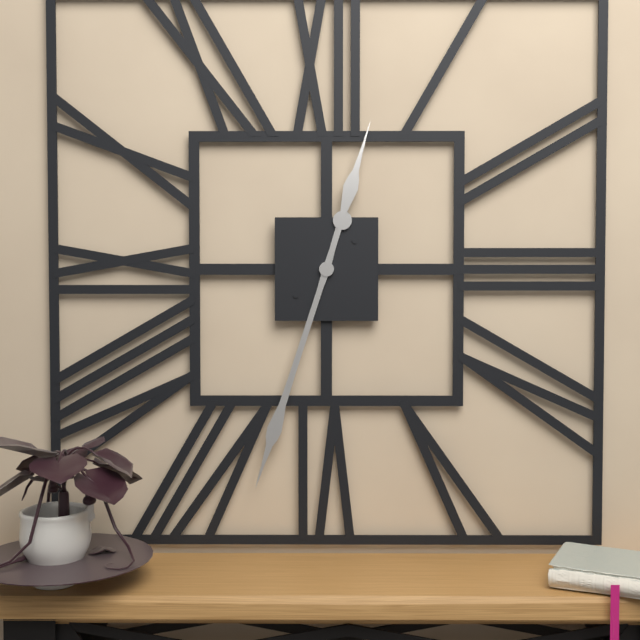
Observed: 12:33
